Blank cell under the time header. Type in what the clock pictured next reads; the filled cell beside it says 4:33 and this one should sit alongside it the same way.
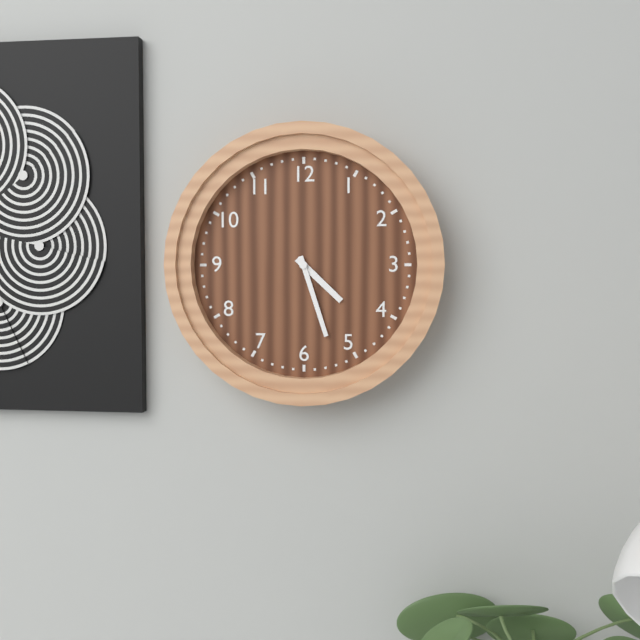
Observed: 4:27
